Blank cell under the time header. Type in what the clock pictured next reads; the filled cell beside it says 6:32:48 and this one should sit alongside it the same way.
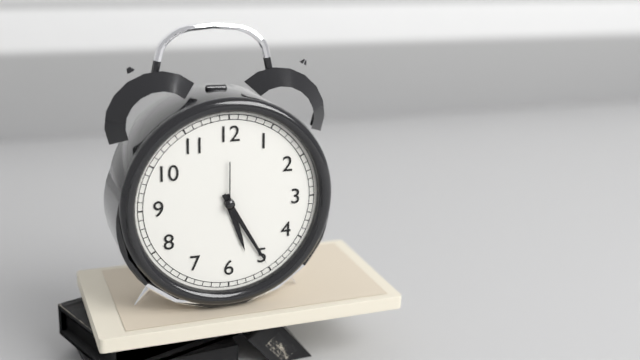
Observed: 5:25:00
